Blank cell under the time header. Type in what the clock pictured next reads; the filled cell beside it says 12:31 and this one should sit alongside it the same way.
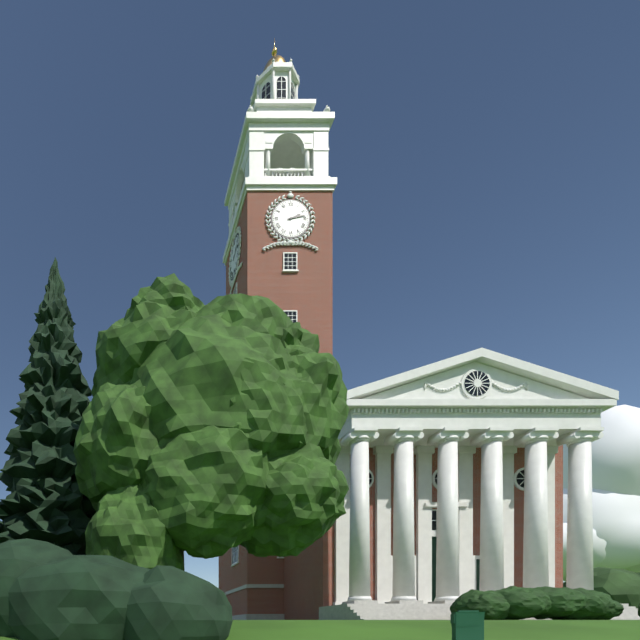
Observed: 2:13
